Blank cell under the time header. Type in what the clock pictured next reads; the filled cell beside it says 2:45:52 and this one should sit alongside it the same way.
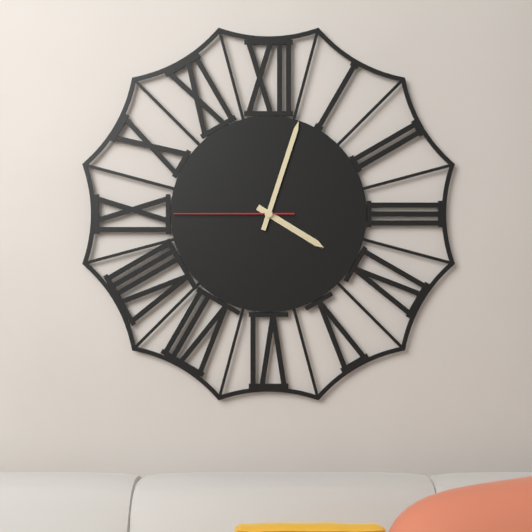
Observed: 4:03:45
